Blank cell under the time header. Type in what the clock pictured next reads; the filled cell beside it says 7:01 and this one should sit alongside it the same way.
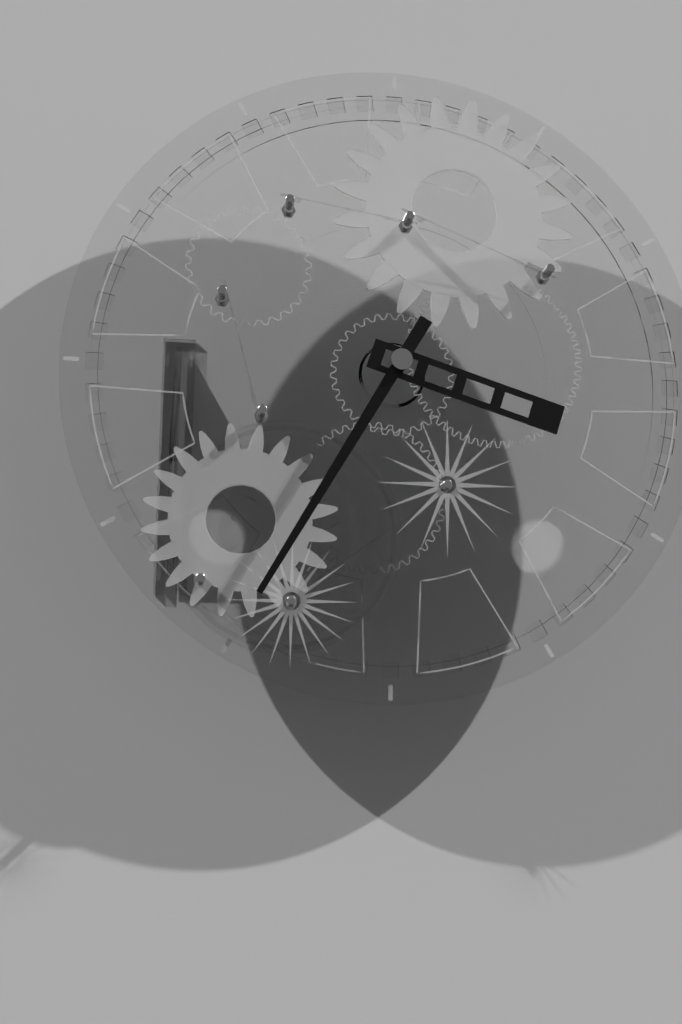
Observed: 3:35
